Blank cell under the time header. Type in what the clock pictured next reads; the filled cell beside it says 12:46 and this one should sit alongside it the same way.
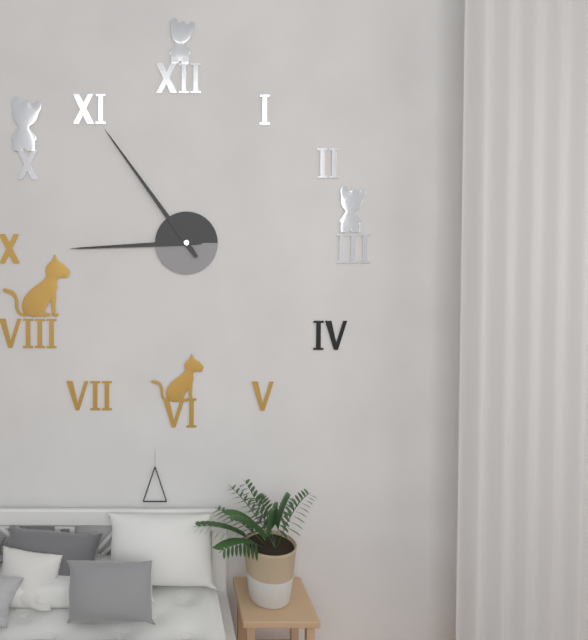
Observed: 8:54
